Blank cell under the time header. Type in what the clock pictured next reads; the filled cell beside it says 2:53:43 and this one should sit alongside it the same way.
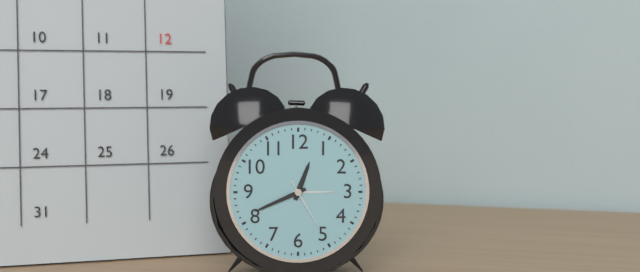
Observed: 12:41:25
